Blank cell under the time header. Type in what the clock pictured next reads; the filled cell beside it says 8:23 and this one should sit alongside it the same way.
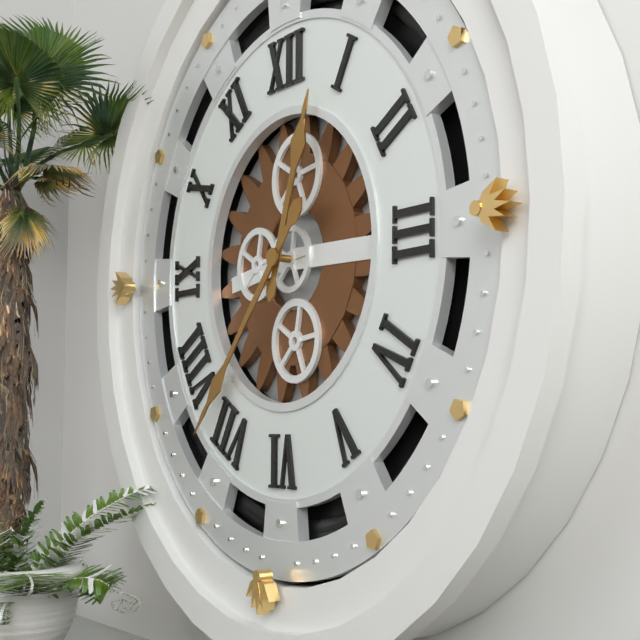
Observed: 12:37
